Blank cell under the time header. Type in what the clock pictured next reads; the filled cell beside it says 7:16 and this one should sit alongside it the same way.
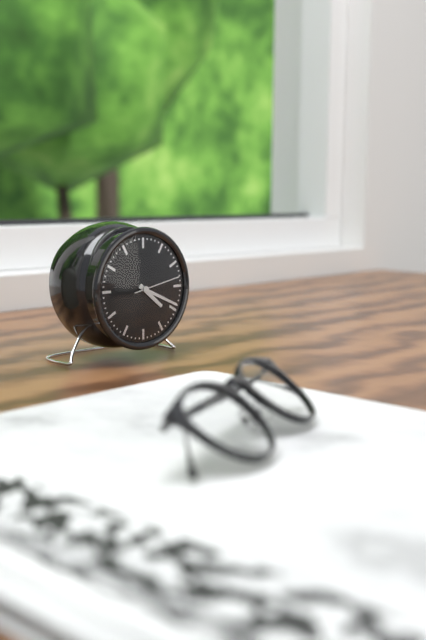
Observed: 4:19
